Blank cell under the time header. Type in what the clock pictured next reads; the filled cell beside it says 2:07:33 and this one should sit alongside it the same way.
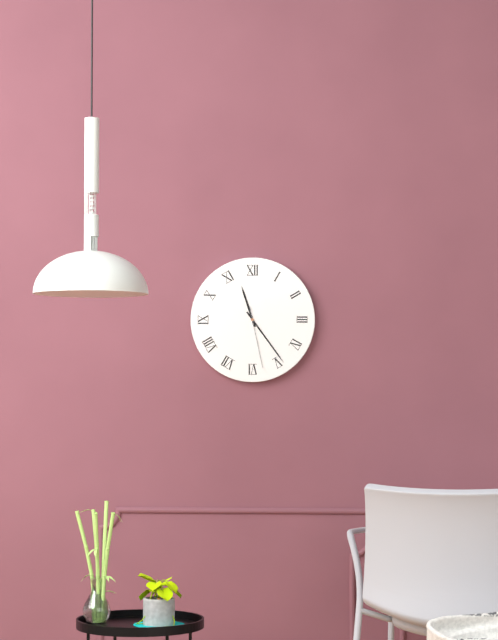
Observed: 11:24:28
